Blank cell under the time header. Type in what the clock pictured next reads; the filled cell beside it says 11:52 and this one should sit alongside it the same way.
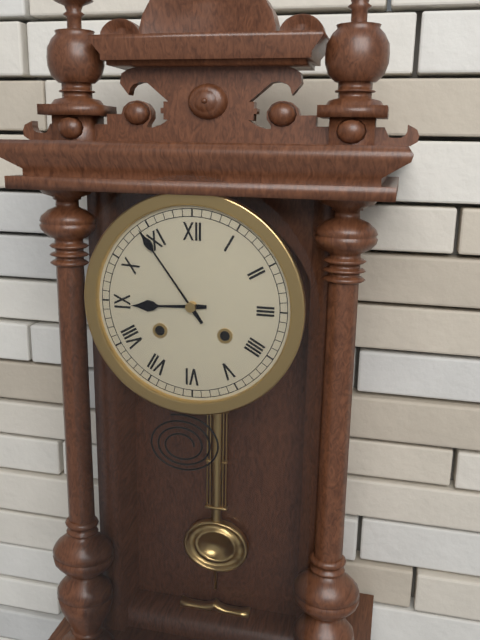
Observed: 8:54
